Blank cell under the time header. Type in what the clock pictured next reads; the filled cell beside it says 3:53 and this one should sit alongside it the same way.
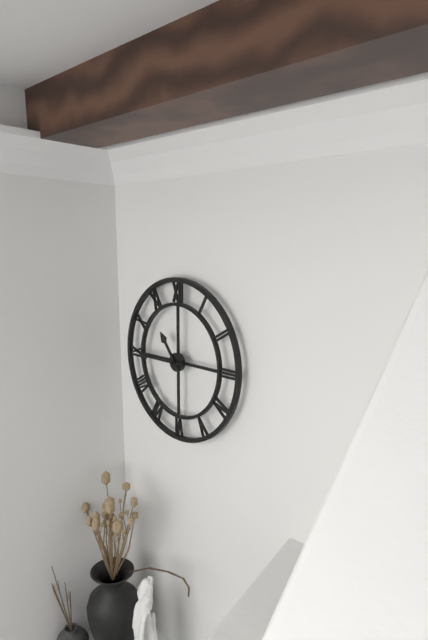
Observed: 10:45
